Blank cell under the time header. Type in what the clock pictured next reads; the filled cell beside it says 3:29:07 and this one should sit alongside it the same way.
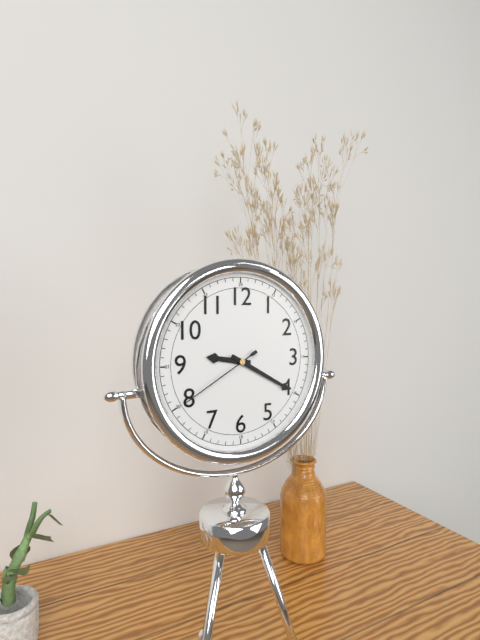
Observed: 9:20:40
